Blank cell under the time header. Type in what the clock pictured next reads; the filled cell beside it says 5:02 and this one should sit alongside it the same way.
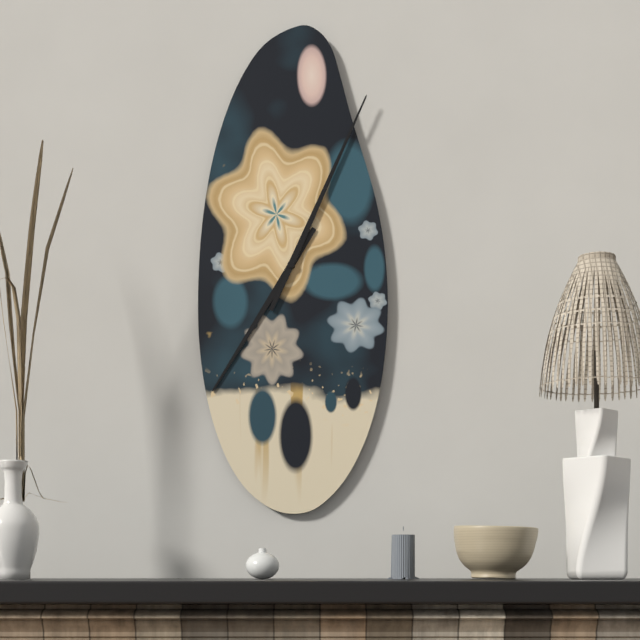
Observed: 7:04
